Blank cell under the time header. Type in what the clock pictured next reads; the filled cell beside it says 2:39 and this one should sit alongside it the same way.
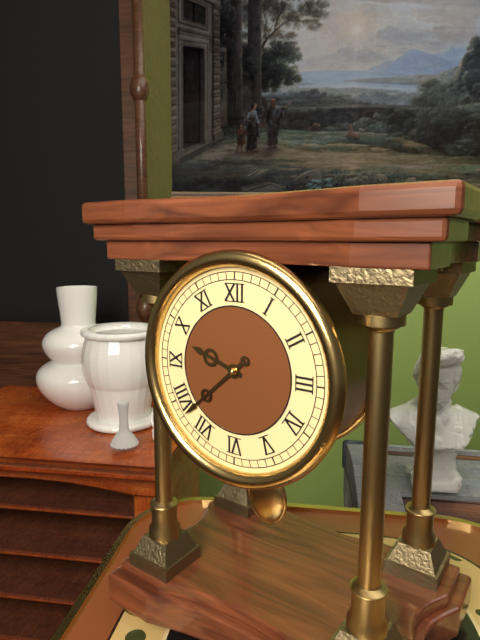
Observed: 9:38
